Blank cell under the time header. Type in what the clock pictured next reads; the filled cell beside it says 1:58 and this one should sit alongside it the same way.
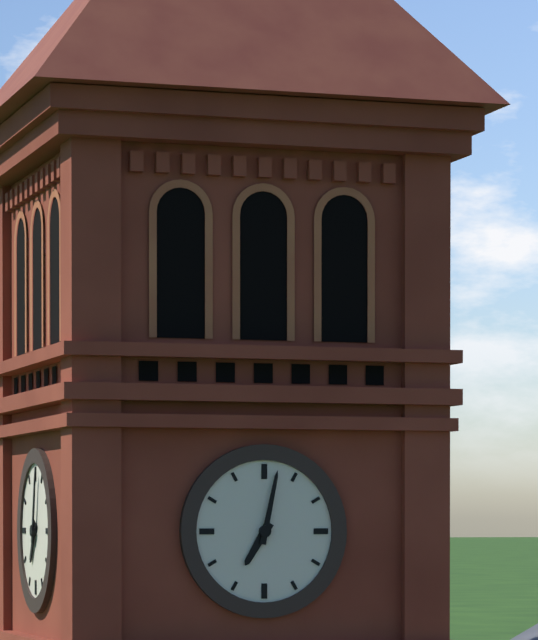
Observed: 7:02
